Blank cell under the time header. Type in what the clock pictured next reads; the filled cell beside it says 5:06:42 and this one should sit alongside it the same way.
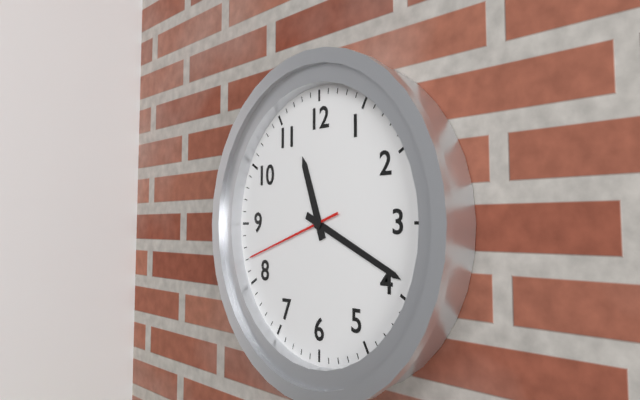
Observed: 11:19:42
